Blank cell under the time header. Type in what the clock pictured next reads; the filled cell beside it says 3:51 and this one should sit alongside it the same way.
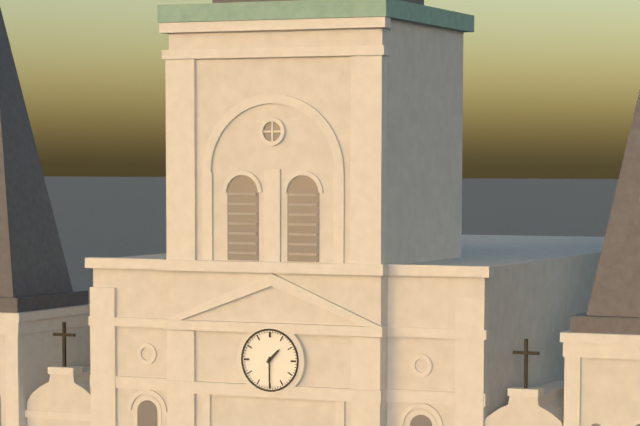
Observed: 1:30
